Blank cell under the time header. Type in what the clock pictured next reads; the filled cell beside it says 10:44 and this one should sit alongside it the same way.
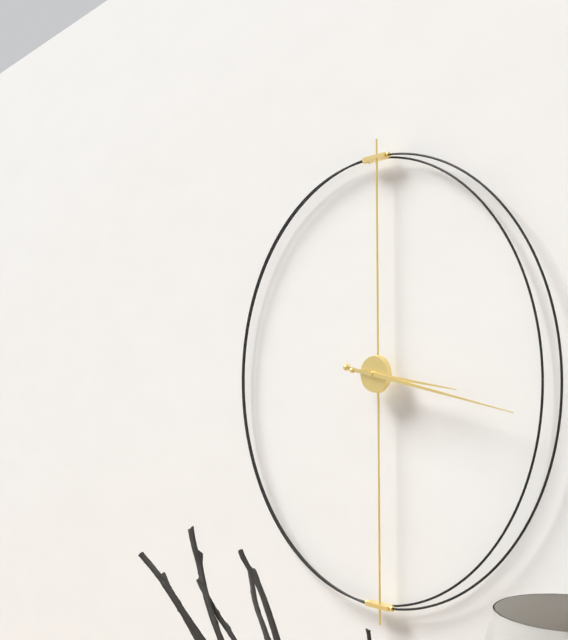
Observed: 3:17
